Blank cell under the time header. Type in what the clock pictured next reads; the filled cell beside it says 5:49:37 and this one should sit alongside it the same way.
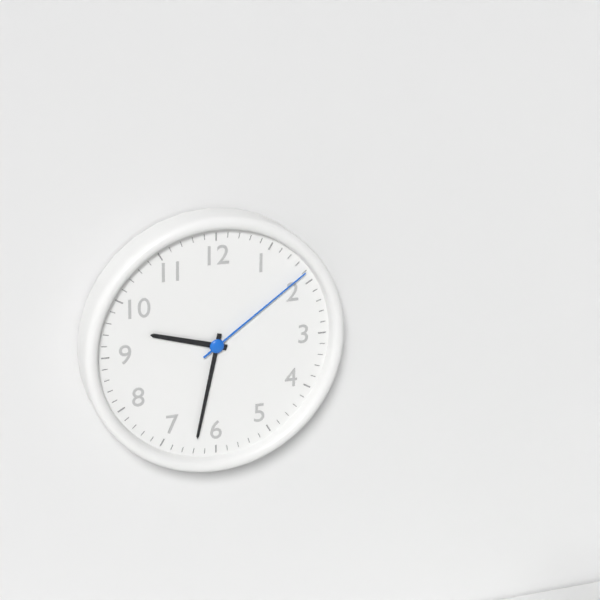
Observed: 9:32:09
